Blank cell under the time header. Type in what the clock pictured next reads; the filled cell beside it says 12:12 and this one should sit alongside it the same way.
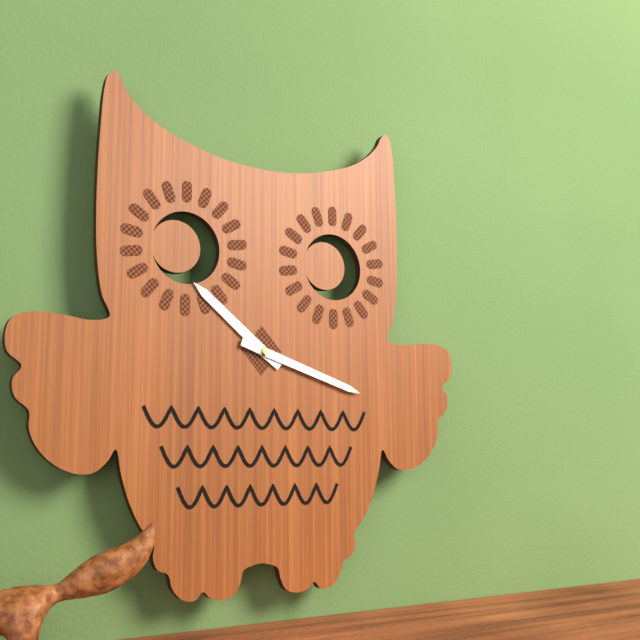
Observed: 10:18
